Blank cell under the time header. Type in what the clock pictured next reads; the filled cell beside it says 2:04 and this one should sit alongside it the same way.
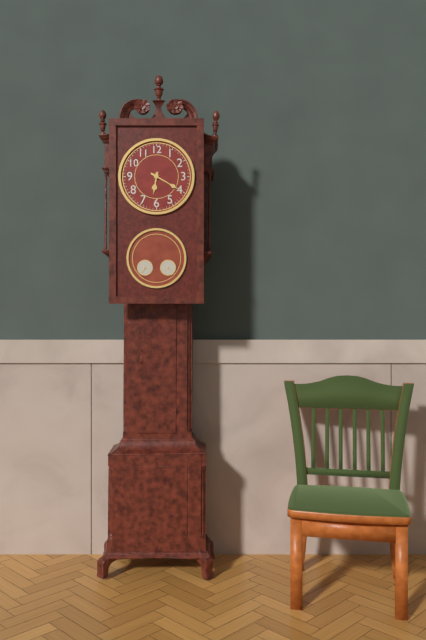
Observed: 6:20
